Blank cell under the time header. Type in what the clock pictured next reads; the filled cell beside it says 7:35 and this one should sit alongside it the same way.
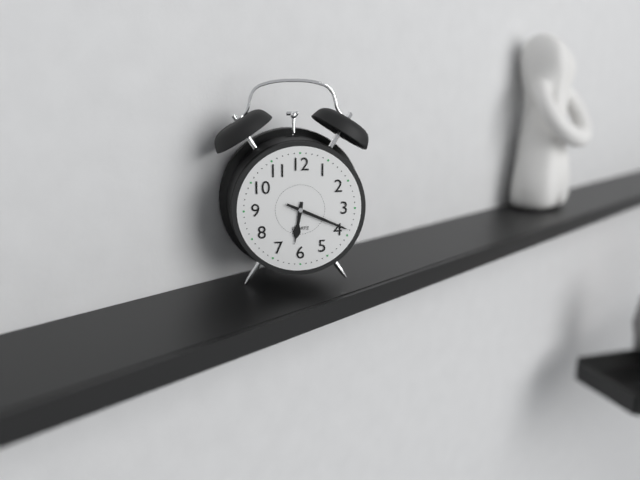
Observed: 6:19
